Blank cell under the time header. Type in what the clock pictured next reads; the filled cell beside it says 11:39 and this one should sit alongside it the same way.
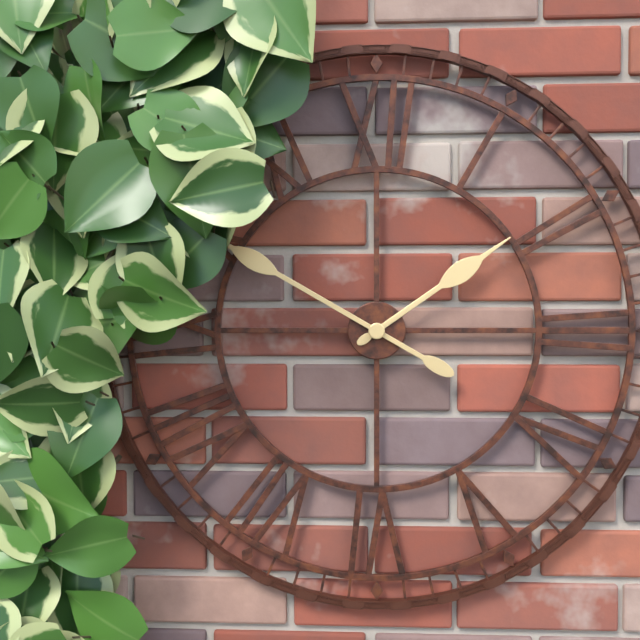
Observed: 1:50
